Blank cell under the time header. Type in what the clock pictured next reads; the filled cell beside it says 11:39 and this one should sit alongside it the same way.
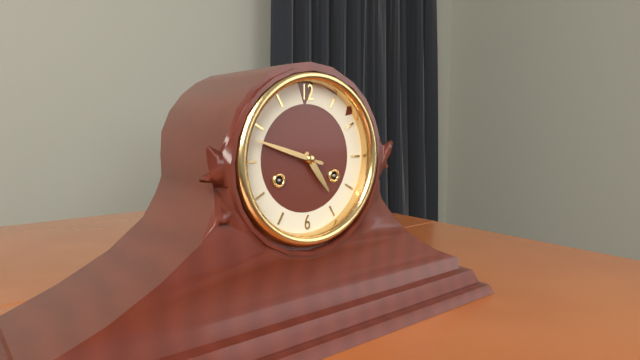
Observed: 4:48
